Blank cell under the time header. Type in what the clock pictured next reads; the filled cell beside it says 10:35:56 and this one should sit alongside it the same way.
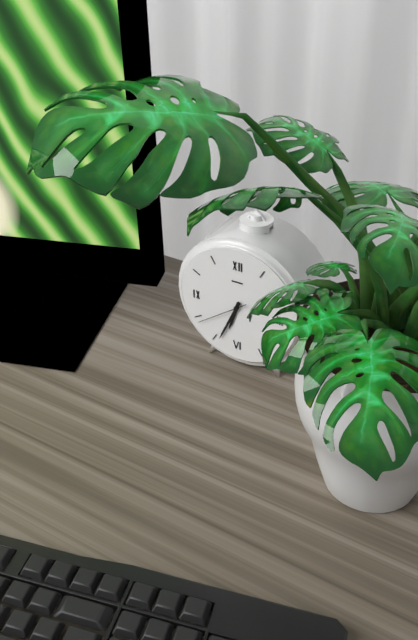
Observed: 6:34:39
